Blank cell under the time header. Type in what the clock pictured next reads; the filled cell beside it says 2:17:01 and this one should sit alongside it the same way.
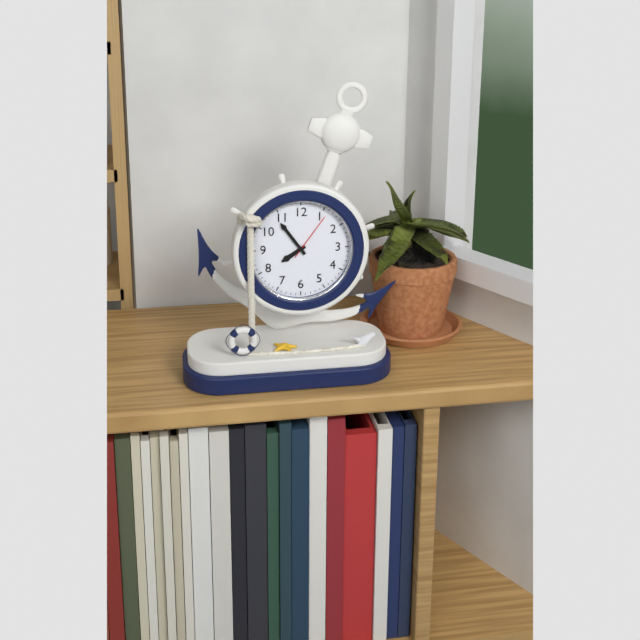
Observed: 7:54:06
